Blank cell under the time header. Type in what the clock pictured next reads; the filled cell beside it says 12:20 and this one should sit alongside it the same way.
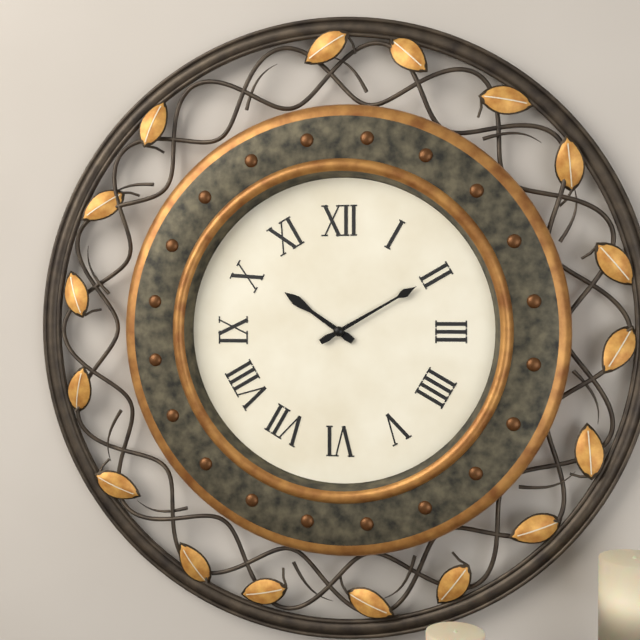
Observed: 10:10
